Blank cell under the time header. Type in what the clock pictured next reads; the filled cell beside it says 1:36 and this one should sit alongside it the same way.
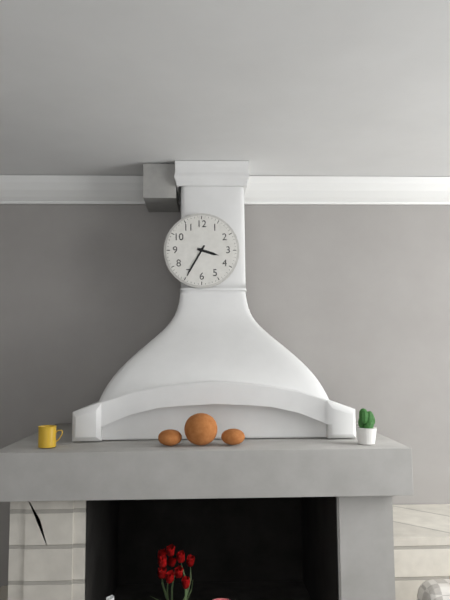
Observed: 3:35
